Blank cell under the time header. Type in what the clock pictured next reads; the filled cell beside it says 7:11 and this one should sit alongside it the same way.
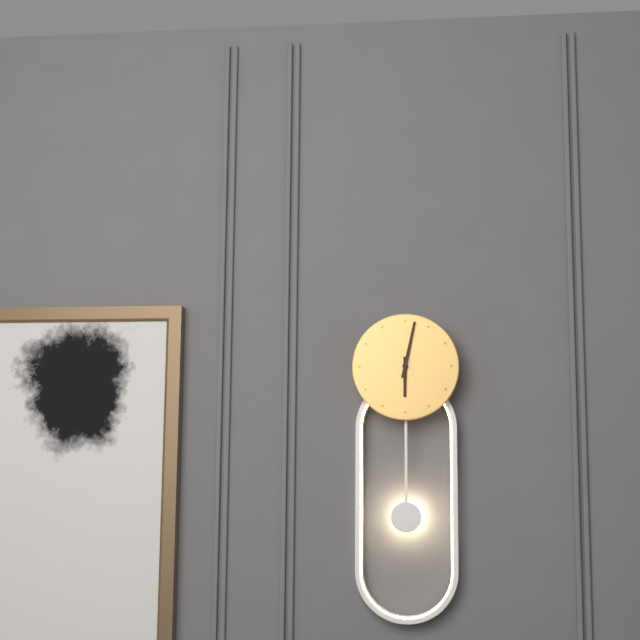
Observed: 6:02
